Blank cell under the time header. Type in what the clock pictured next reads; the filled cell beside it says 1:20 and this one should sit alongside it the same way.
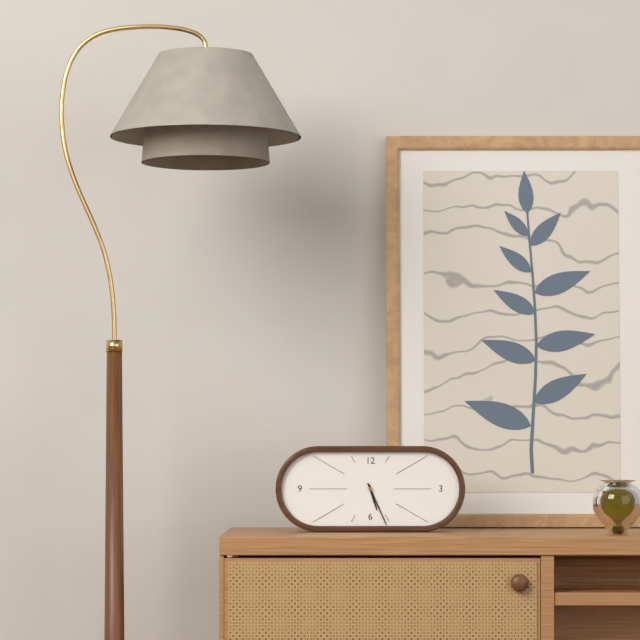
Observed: 5:26
